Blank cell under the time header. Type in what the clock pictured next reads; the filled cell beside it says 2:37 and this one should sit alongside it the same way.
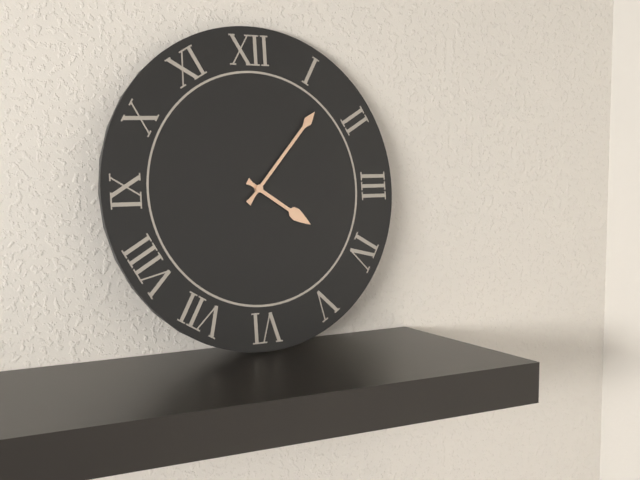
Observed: 4:07
